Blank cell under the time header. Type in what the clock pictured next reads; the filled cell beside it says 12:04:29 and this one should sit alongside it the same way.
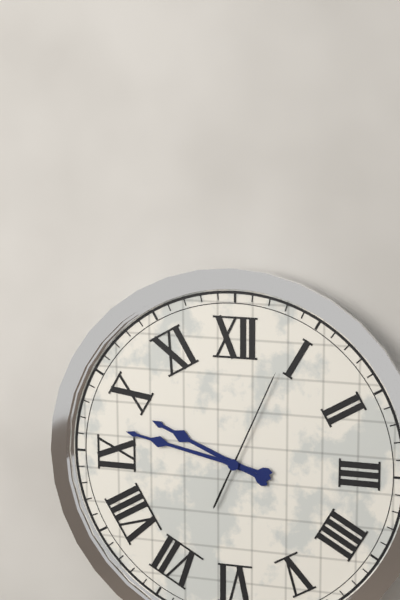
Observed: 9:47:04
